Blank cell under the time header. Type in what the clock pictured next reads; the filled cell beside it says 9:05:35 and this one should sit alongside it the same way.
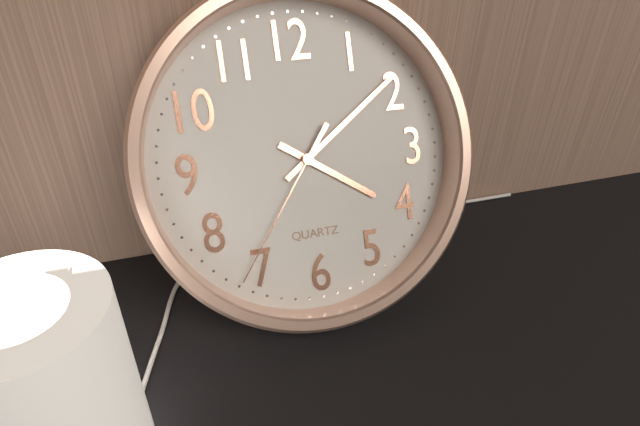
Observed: 4:09:36
